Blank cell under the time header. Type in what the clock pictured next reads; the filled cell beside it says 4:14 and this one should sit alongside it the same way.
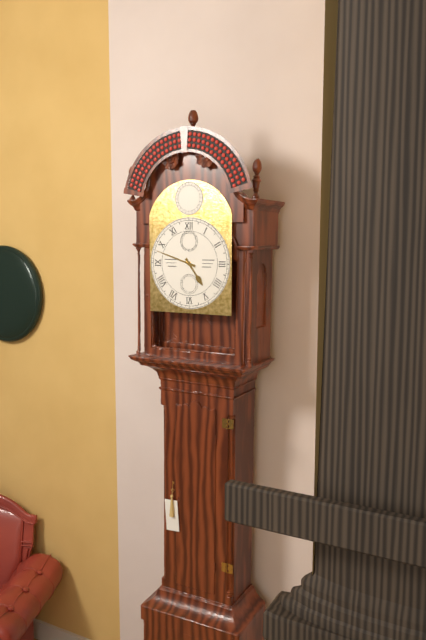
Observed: 4:48
